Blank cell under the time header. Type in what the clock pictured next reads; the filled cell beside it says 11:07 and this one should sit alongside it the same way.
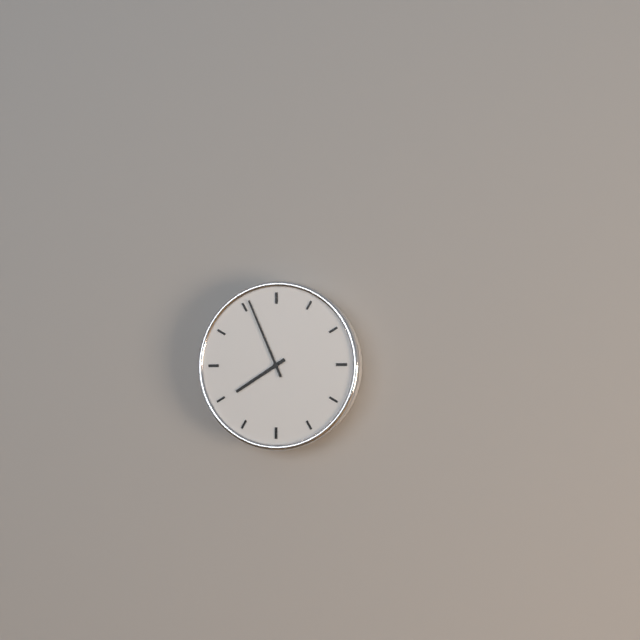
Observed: 7:56
